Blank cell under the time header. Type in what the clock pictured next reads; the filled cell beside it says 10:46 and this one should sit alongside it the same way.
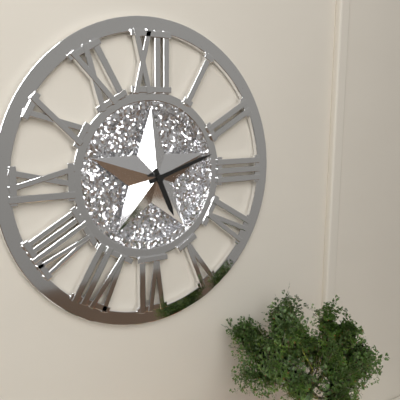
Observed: 5:12
